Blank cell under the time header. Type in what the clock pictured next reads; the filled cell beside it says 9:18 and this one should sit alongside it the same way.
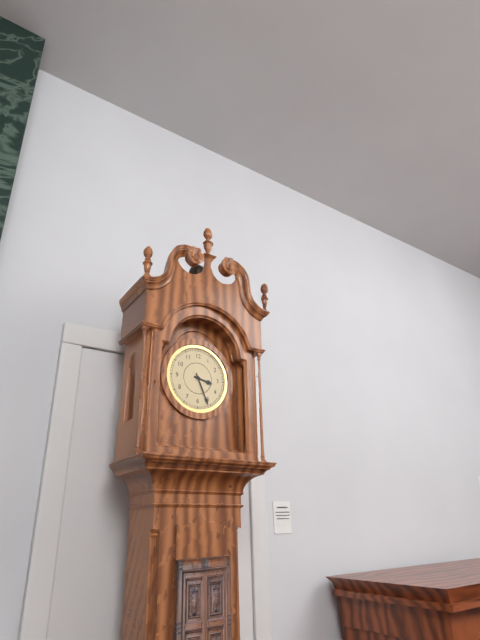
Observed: 3:26
